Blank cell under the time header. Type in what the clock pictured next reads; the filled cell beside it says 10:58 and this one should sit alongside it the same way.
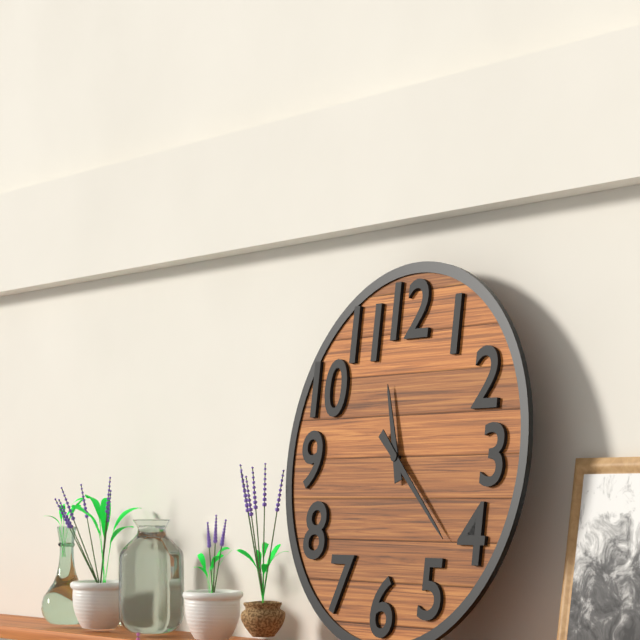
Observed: 11:22
